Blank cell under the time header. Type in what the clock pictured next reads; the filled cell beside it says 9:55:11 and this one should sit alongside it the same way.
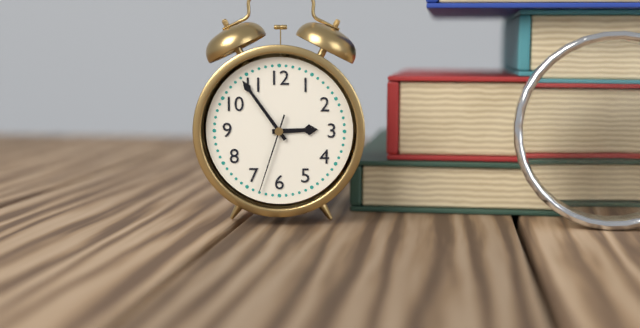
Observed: 2:54:33
